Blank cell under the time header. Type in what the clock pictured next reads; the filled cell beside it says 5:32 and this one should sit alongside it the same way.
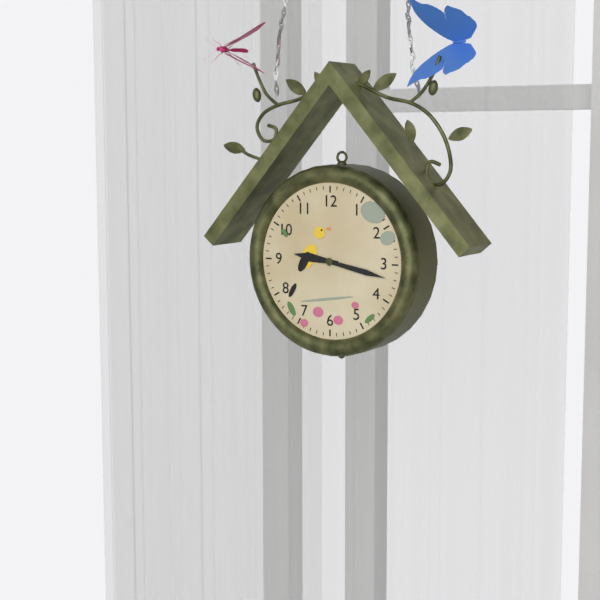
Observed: 9:17
